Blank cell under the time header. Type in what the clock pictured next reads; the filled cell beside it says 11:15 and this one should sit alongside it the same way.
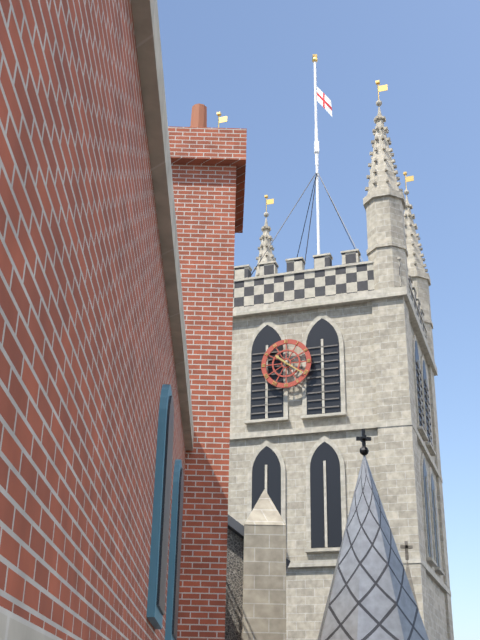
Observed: 10:21
